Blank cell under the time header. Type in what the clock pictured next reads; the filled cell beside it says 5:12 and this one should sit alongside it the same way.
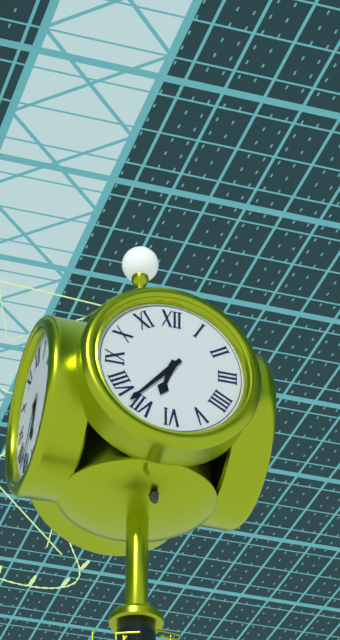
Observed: 6:37
